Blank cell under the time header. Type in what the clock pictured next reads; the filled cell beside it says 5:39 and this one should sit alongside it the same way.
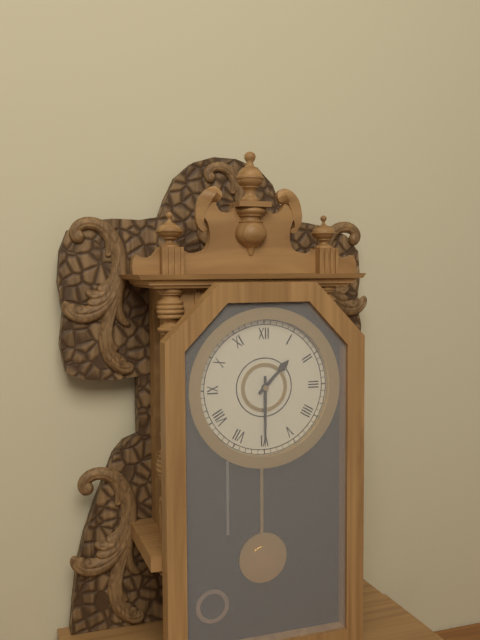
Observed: 1:30
